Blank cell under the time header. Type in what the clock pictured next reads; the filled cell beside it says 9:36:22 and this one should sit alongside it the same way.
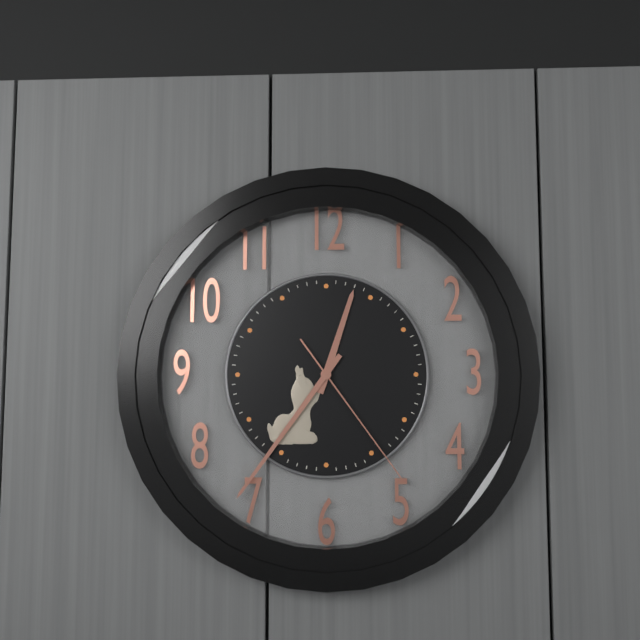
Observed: 12:36:24
